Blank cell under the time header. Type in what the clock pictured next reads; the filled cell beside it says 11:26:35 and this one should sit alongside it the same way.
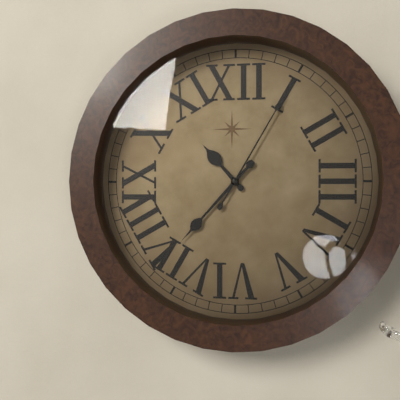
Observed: 10:37:05
